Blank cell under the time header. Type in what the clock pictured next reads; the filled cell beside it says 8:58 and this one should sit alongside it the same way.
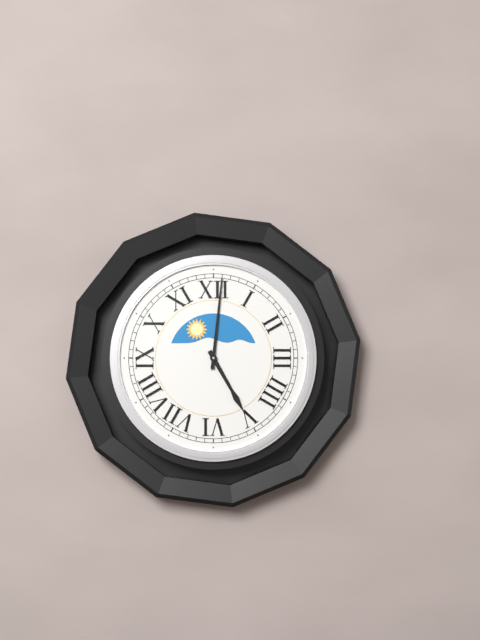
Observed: 5:01
